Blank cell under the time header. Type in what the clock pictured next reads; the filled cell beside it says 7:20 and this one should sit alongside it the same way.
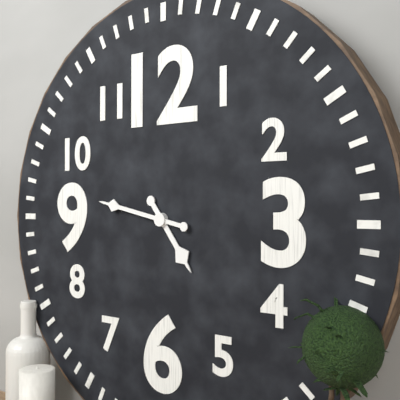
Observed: 4:47
